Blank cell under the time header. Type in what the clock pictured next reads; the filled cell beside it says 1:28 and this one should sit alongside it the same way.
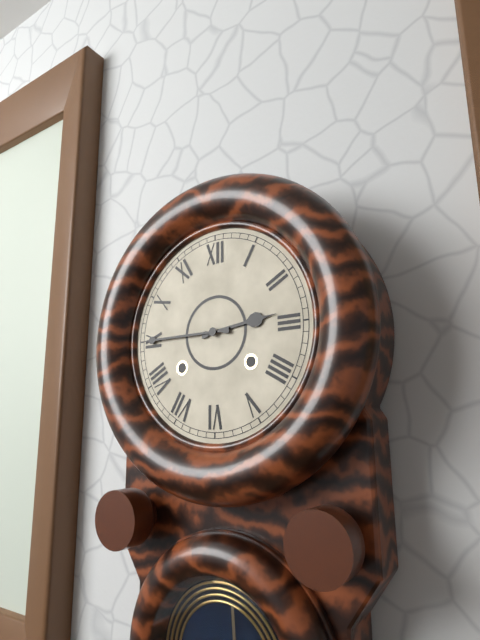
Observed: 2:45
